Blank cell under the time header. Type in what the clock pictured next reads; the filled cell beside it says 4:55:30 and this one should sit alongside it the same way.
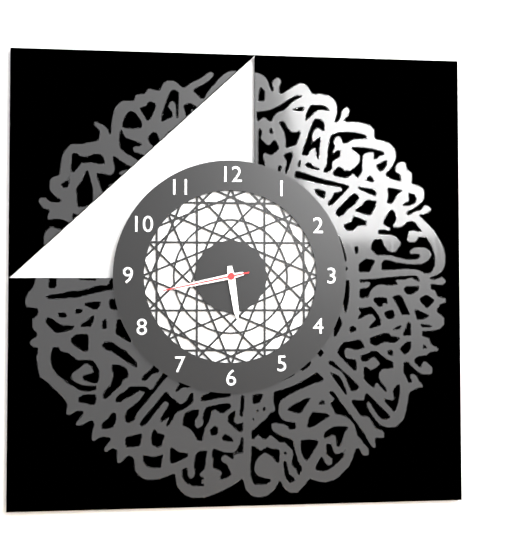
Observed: 5:43:43
